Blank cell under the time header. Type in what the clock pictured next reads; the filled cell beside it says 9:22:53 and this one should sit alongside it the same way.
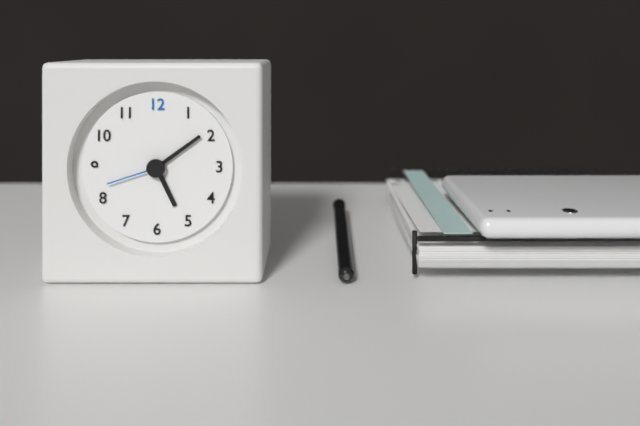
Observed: 5:09:42
